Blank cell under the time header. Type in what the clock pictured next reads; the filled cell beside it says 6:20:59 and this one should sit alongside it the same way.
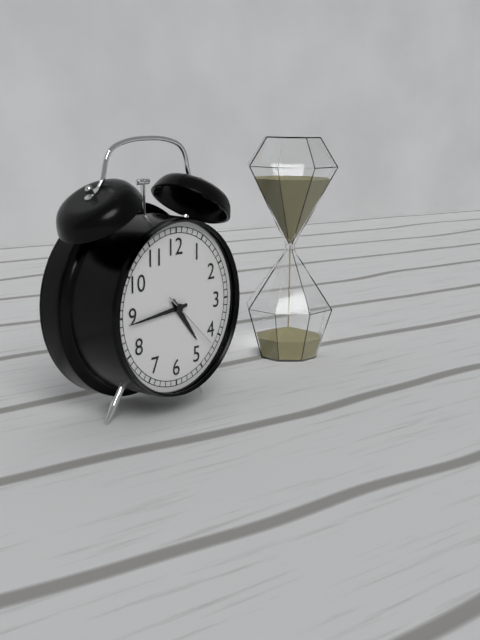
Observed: 4:44:22
